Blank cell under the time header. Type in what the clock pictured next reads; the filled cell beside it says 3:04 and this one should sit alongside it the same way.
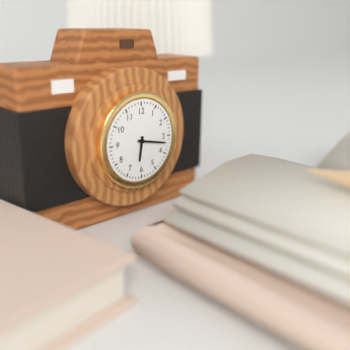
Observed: 6:17
